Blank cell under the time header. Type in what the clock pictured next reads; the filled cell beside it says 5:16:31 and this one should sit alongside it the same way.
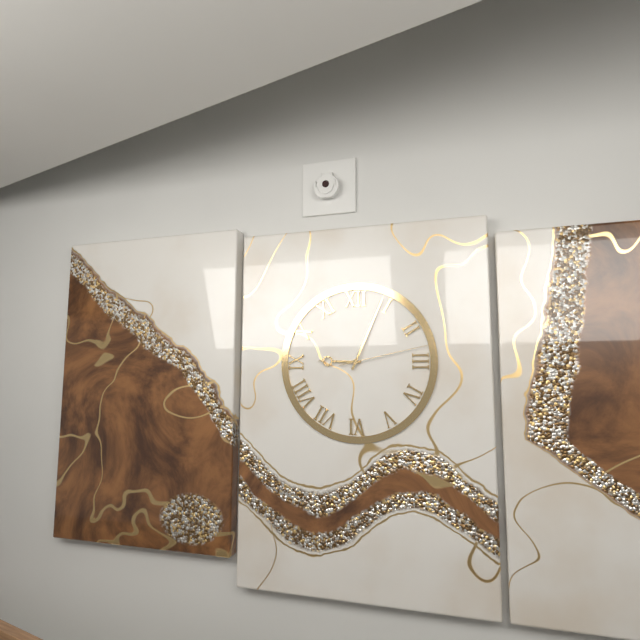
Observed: 9:04:13
